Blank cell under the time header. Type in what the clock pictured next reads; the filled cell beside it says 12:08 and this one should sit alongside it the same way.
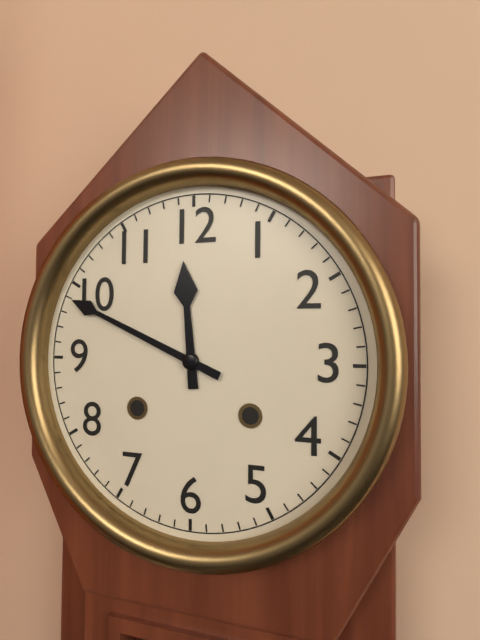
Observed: 11:49
